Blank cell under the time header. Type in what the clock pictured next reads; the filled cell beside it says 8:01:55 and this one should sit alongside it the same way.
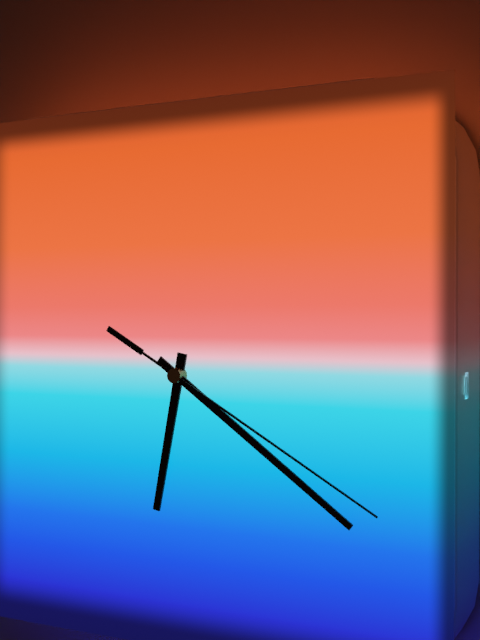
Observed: 6:21:20
